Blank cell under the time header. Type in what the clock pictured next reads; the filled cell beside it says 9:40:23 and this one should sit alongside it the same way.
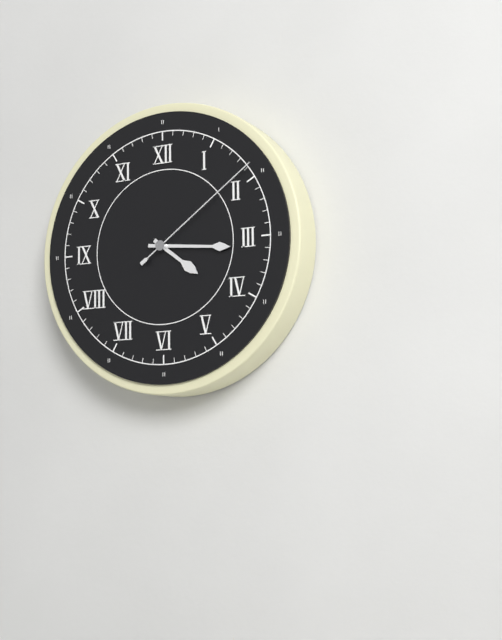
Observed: 4:16:09
